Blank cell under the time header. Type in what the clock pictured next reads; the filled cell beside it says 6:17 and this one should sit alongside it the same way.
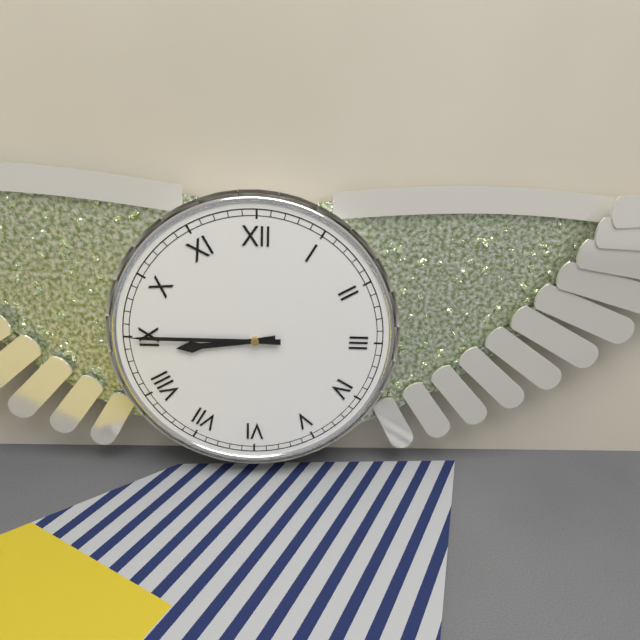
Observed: 8:45
